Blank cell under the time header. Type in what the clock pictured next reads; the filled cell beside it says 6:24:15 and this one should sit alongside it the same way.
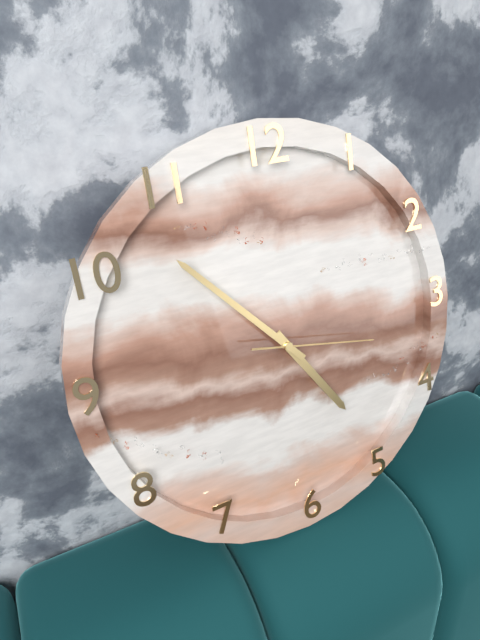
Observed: 4:53:17
